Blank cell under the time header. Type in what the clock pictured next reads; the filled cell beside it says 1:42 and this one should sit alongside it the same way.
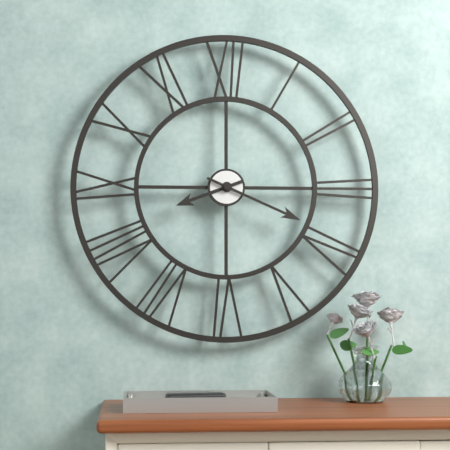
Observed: 8:19
